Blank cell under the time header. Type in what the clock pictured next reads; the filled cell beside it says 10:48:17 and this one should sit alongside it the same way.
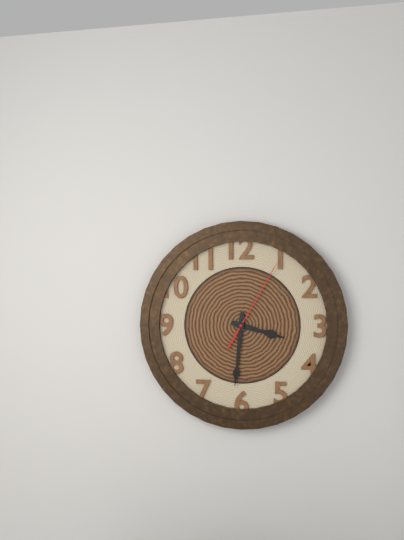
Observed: 3:31:05
